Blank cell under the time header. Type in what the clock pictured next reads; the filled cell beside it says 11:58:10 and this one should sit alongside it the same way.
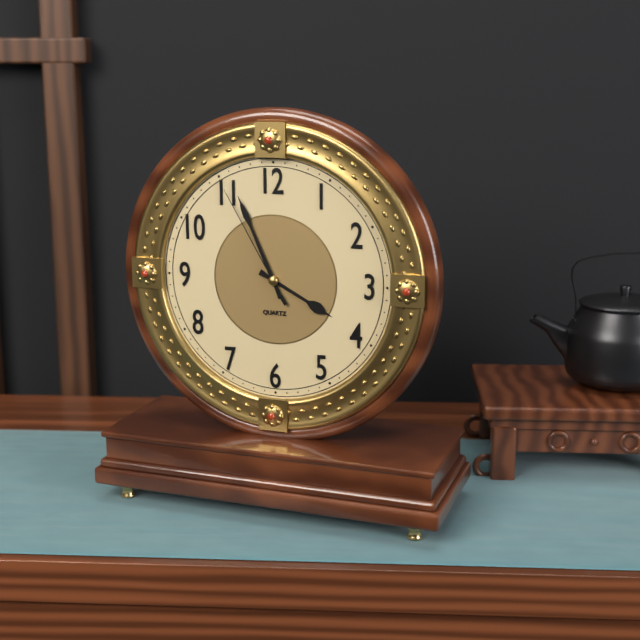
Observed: 3:56:55
